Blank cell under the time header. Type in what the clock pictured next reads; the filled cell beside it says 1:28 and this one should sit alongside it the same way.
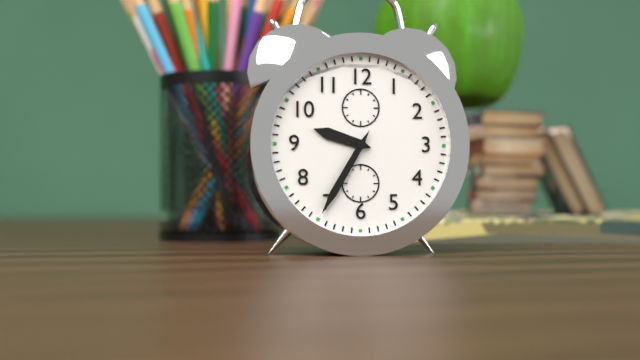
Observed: 9:35
